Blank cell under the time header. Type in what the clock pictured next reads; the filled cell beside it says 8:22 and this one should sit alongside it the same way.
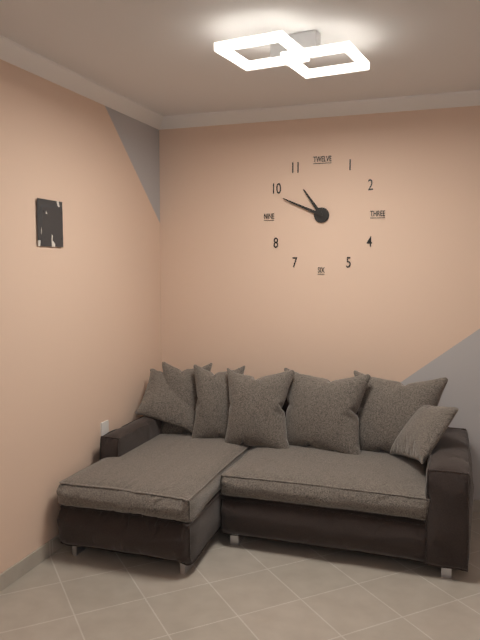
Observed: 10:49
